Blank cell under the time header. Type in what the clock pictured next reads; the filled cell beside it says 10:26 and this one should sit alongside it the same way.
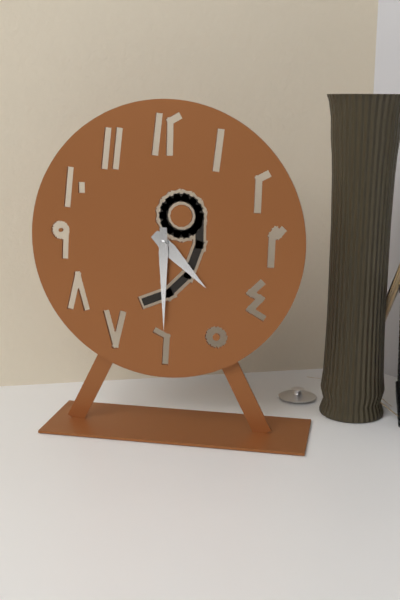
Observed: 4:30
